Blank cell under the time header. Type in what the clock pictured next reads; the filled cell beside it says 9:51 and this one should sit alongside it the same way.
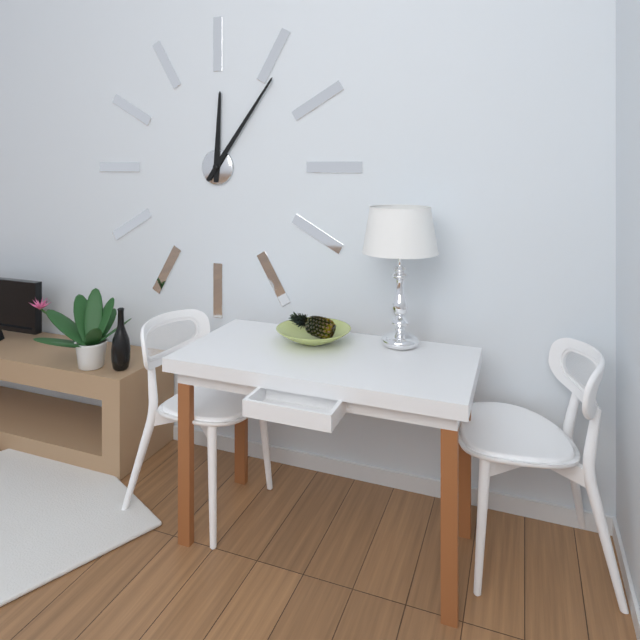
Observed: 12:06
